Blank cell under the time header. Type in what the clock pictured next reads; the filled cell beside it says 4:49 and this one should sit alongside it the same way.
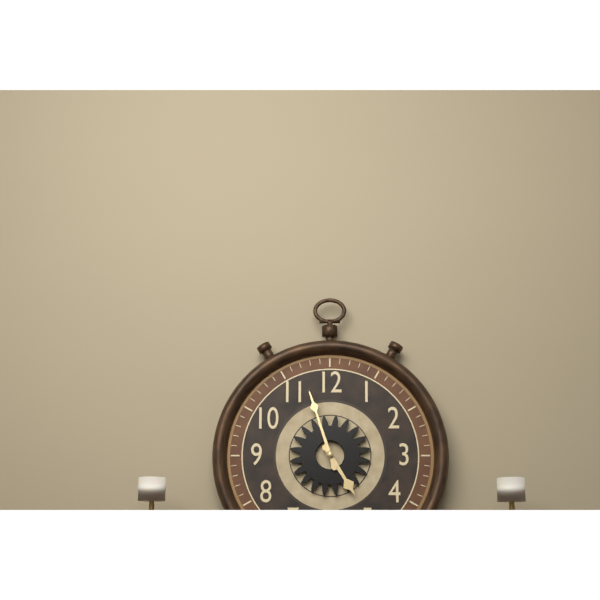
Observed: 4:57
